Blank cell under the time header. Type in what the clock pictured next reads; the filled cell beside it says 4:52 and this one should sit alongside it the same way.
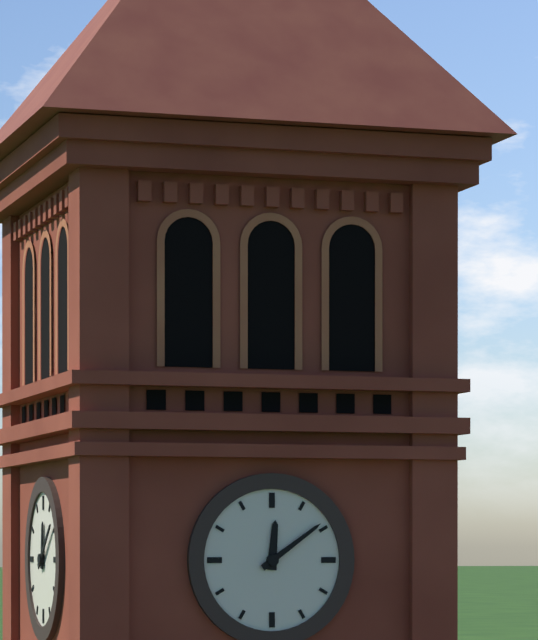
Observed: 12:09
